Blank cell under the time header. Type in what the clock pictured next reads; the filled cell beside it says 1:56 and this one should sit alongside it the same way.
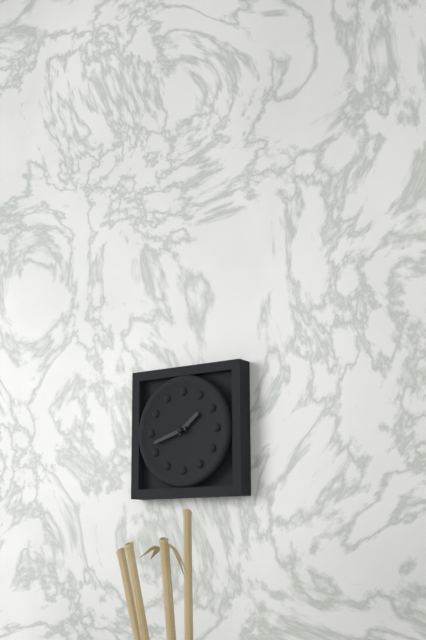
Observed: 1:42
